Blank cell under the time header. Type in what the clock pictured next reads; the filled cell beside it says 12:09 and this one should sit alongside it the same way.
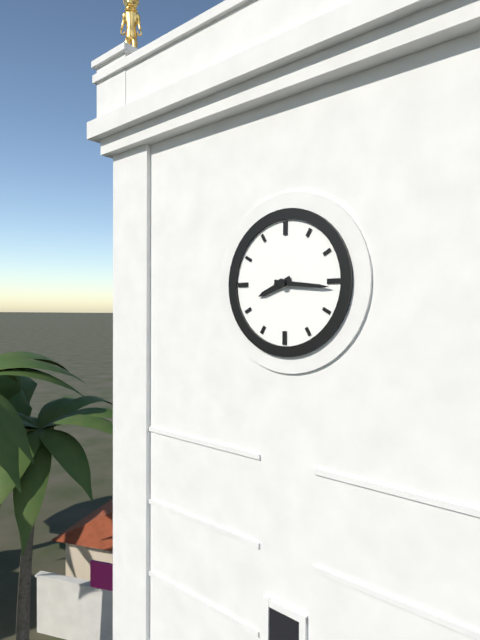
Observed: 8:16
